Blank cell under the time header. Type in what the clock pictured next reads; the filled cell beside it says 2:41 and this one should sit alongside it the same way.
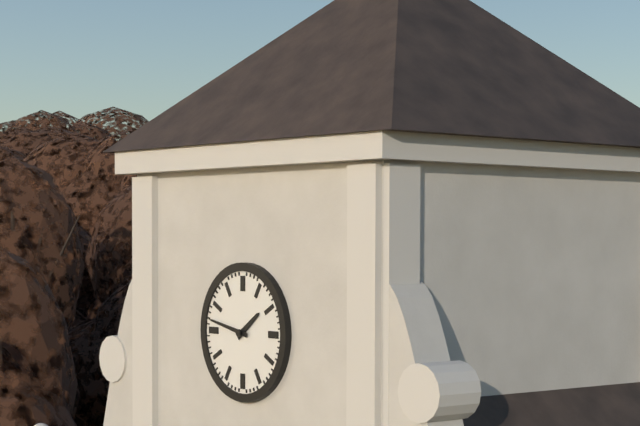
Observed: 1:47
